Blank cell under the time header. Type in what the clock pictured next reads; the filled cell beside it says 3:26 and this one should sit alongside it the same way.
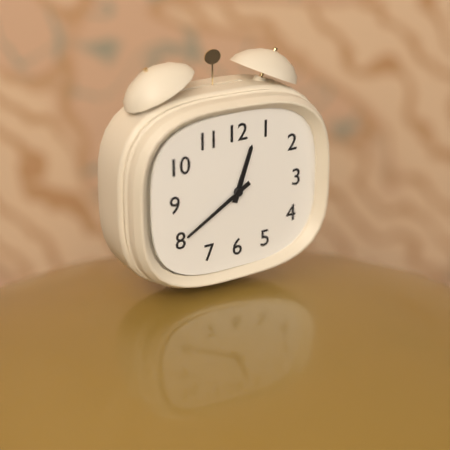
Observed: 12:40
